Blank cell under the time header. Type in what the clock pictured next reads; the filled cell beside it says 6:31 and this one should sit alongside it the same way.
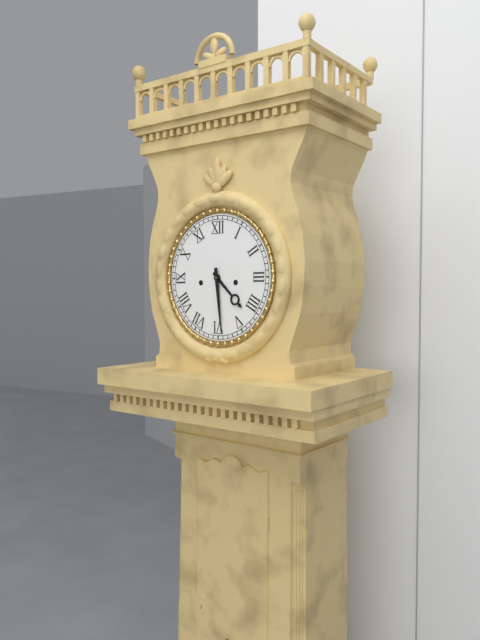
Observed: 4:29
